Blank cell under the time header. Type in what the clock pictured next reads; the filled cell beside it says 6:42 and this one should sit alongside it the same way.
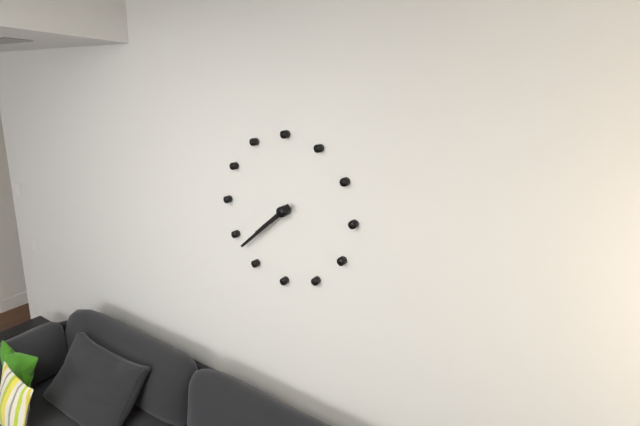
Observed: 7:38
